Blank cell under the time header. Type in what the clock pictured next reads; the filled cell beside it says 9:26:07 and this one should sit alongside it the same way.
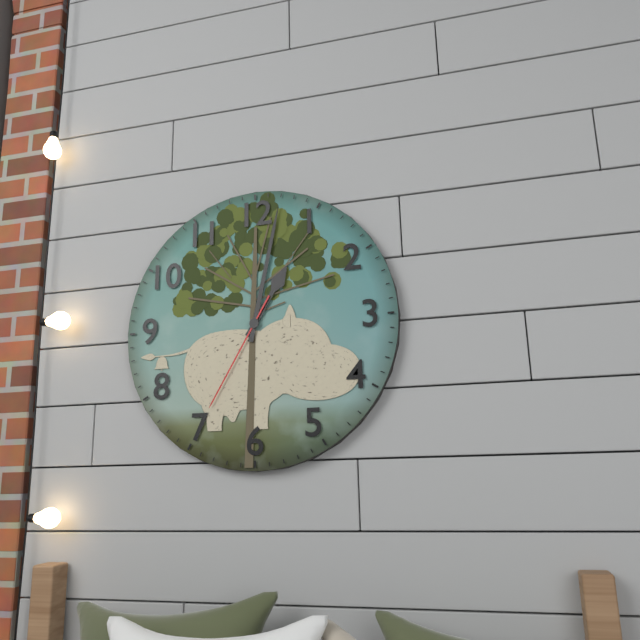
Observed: 1:02:35
